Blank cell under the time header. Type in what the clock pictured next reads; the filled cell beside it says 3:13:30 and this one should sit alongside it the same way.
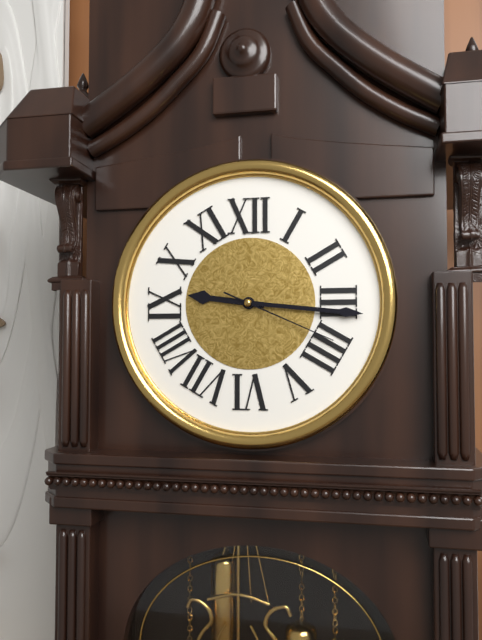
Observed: 9:16:19
